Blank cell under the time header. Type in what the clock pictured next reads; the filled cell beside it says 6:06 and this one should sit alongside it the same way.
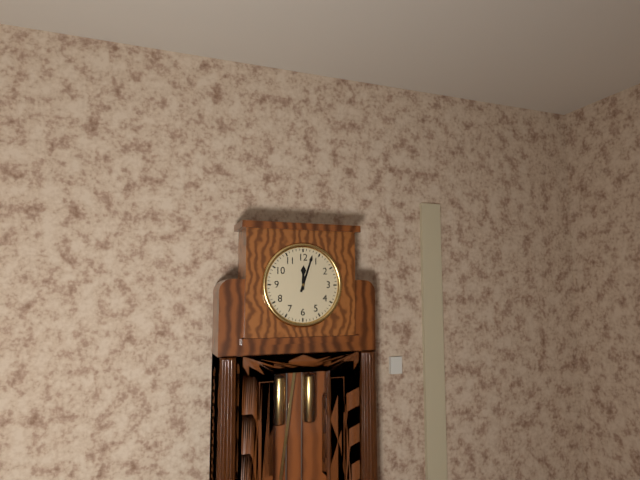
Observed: 12:03
